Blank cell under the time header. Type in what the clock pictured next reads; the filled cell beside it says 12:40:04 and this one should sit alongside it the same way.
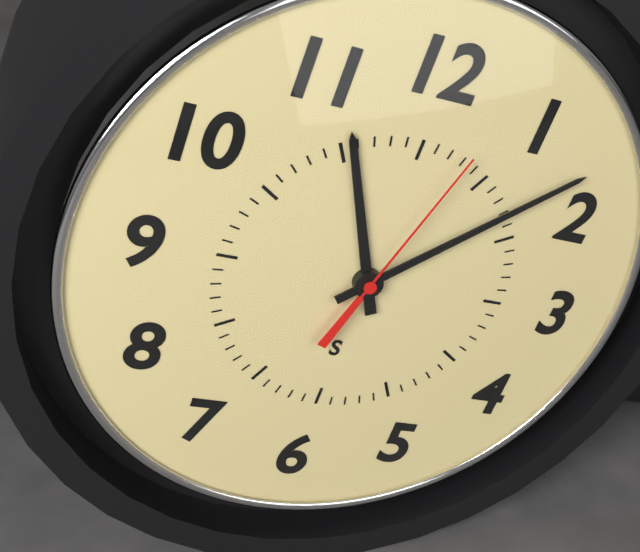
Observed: 11:08:03
